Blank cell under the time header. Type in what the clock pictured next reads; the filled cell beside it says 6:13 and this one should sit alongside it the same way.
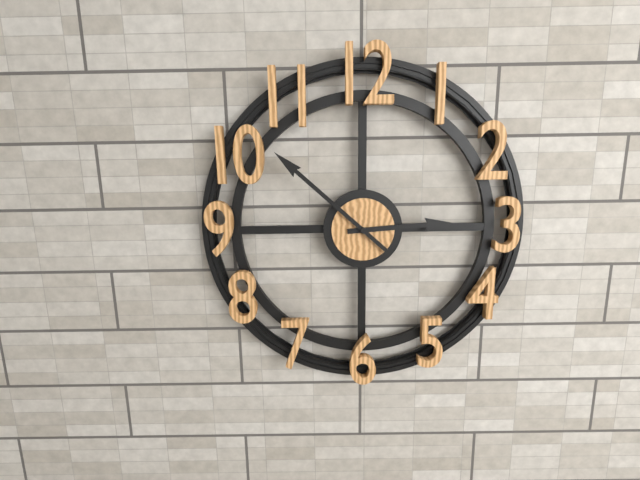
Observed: 2:52
